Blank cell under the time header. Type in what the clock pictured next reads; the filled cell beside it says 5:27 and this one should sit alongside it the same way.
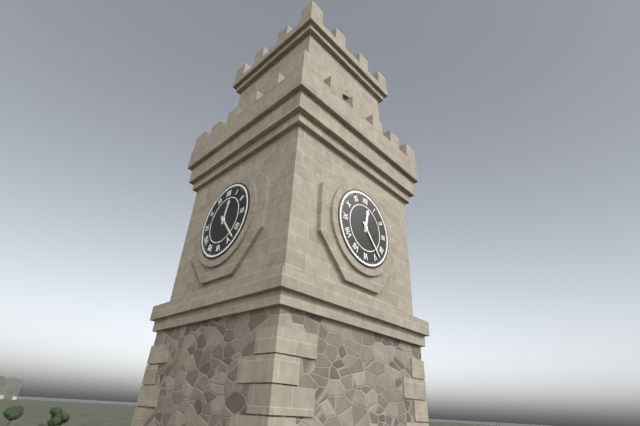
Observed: 12:23
